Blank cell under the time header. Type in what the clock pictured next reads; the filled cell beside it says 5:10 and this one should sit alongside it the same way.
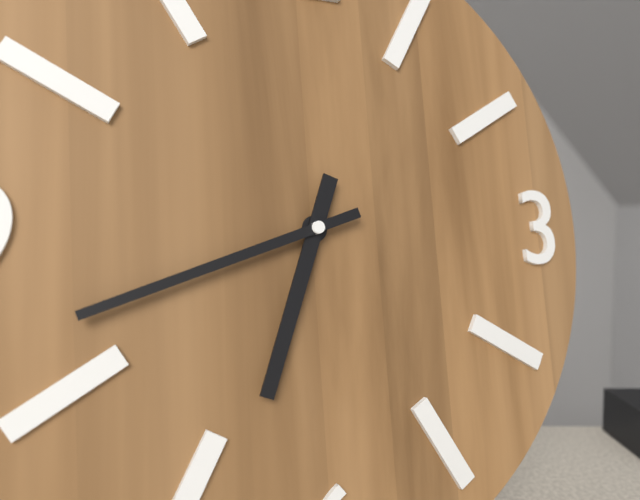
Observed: 6:42
